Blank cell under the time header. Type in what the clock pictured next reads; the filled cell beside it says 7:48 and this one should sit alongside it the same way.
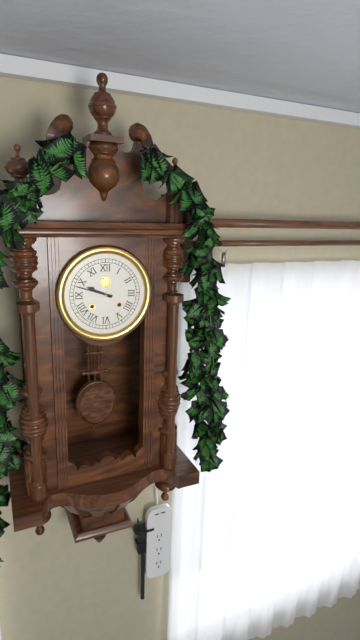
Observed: 9:48
